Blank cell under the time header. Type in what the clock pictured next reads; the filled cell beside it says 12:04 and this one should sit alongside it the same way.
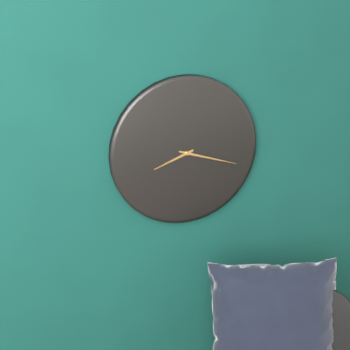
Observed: 8:18
